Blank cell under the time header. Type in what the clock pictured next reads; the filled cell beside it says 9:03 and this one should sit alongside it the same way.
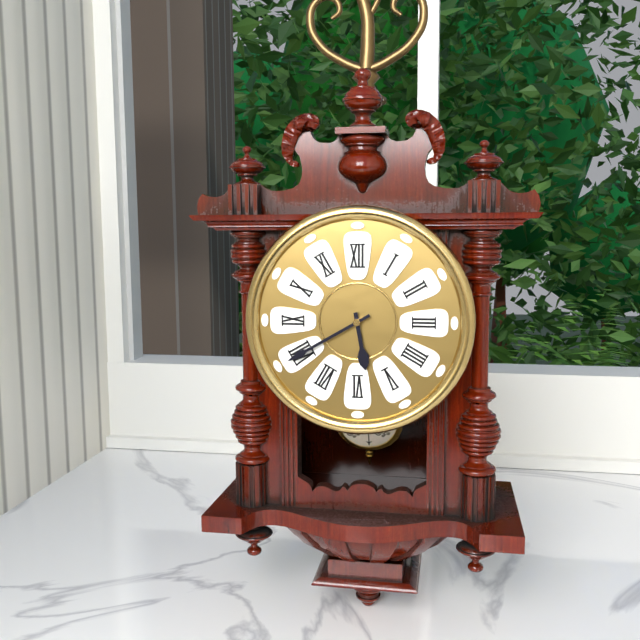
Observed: 5:40
